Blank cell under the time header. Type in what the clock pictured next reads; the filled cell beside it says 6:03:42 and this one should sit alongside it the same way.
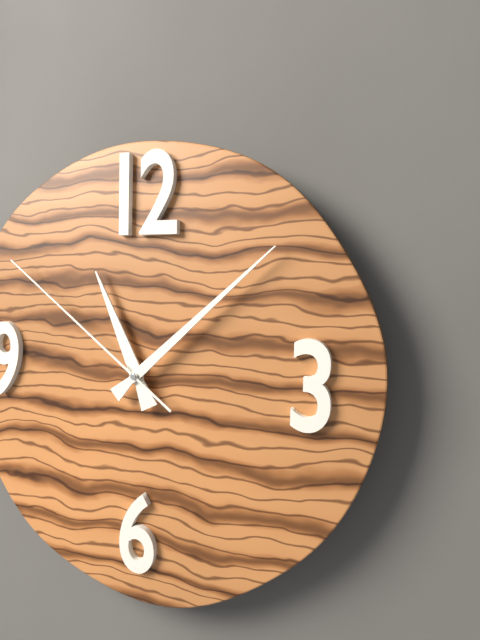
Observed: 11:08:51
